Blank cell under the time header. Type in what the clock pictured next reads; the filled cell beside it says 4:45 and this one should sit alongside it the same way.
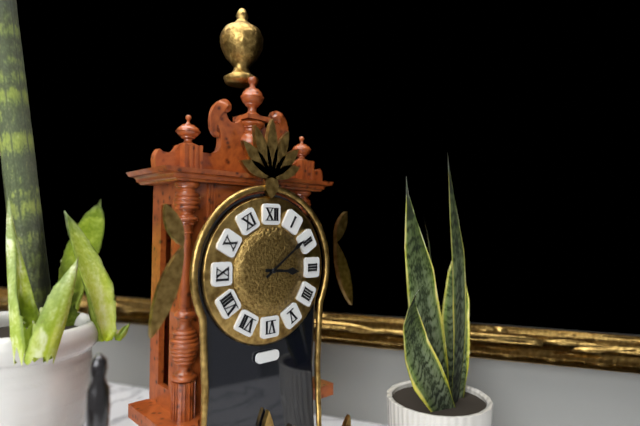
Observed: 3:09
